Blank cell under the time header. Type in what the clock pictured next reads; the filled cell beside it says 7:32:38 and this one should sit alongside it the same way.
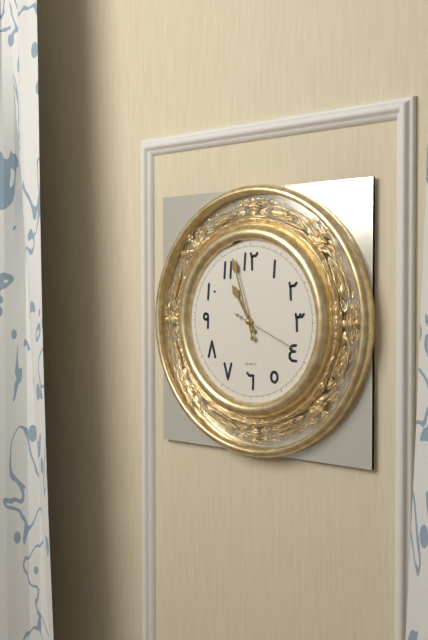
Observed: 10:57:19
